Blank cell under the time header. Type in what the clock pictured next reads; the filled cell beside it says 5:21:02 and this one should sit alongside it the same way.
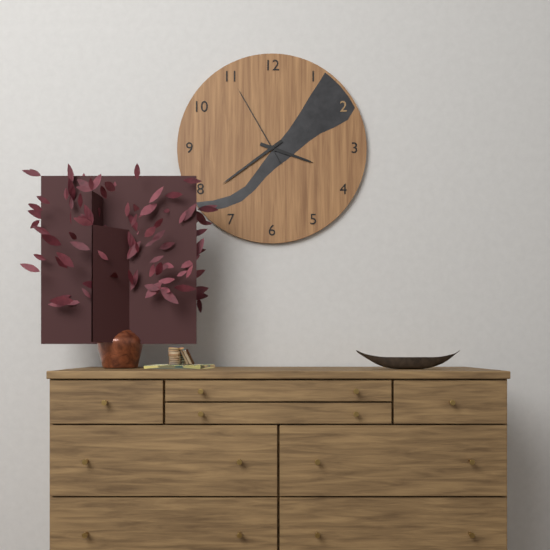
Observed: 3:39:55
